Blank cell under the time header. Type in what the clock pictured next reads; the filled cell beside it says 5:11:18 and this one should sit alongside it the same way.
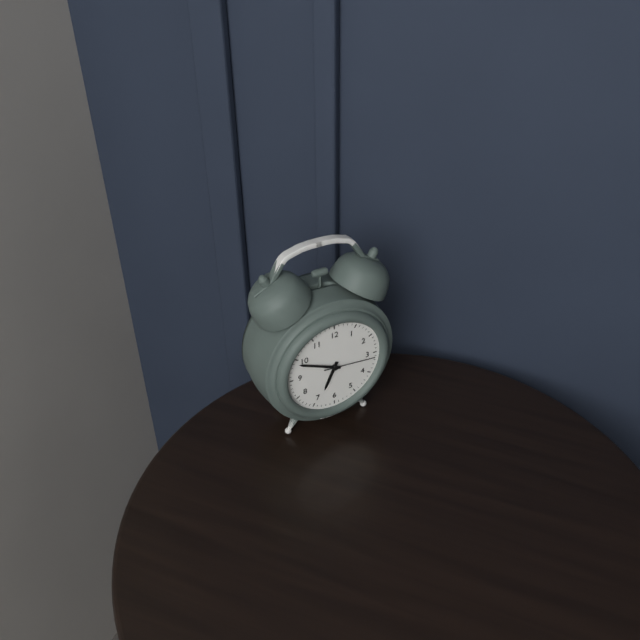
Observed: 6:49:16
